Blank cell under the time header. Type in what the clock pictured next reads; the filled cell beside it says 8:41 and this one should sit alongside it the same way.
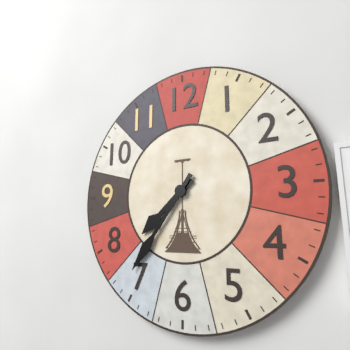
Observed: 7:36
